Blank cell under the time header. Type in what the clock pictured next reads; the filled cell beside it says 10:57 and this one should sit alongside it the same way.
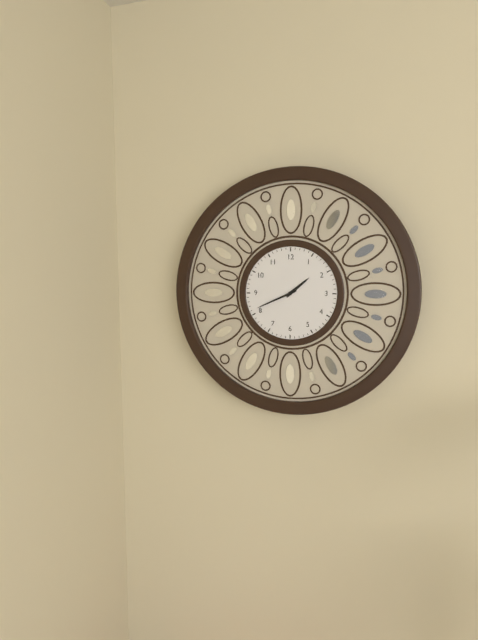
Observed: 1:41
